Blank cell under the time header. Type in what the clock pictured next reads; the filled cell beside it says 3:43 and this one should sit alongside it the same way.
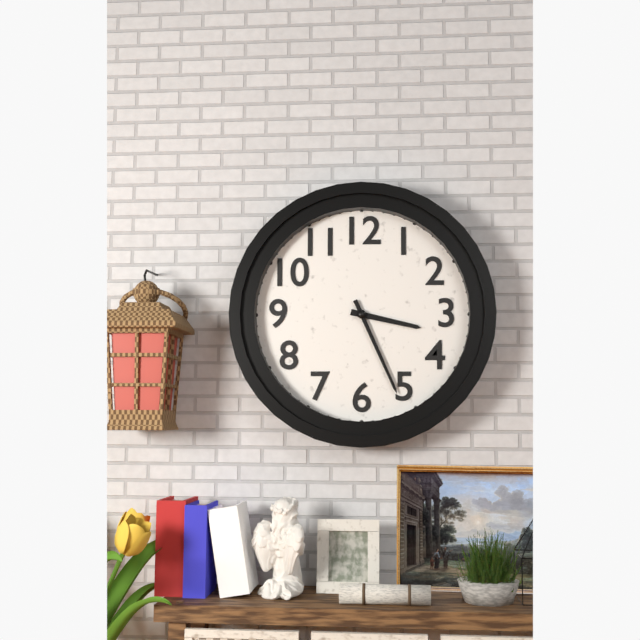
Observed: 3:26
